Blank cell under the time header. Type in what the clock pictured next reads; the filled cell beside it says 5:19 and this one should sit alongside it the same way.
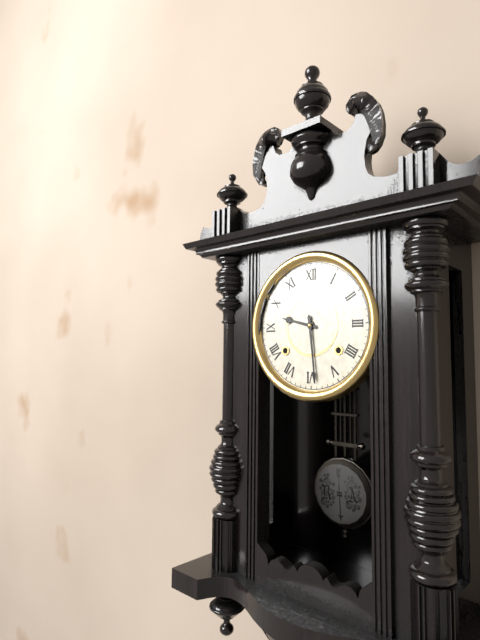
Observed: 9:29
